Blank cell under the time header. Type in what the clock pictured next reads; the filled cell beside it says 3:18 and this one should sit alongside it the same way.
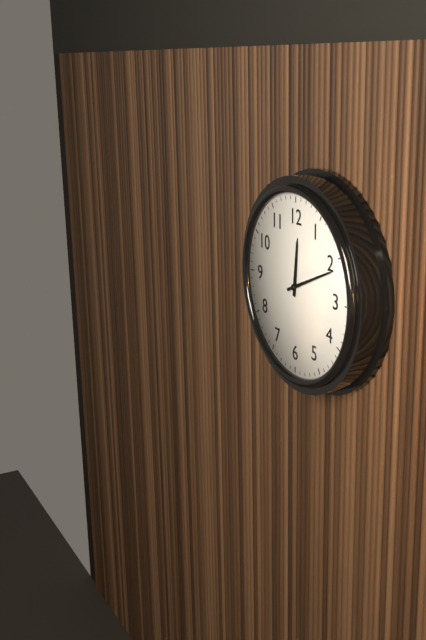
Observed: 12:11
